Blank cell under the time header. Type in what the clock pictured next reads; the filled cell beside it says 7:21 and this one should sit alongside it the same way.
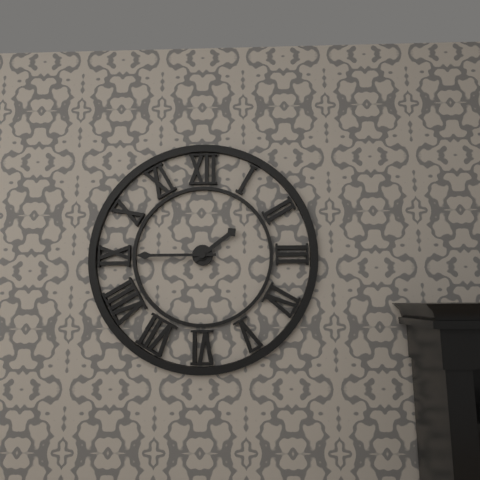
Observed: 1:45
